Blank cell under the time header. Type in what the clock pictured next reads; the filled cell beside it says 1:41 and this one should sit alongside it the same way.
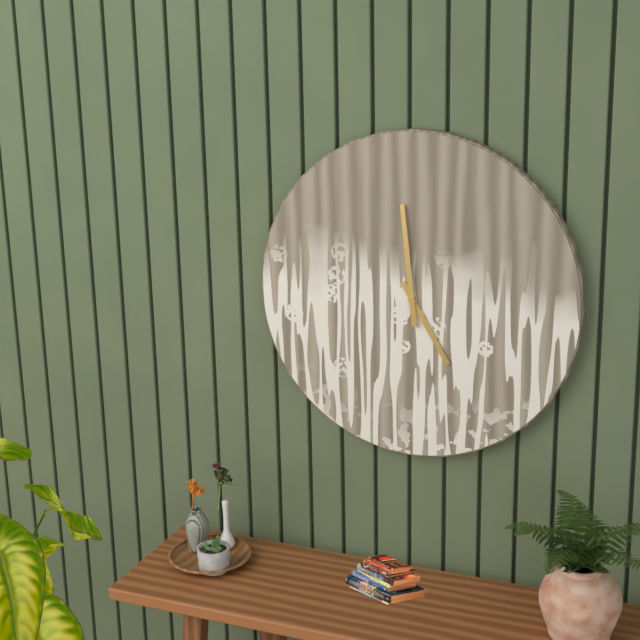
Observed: 4:59
